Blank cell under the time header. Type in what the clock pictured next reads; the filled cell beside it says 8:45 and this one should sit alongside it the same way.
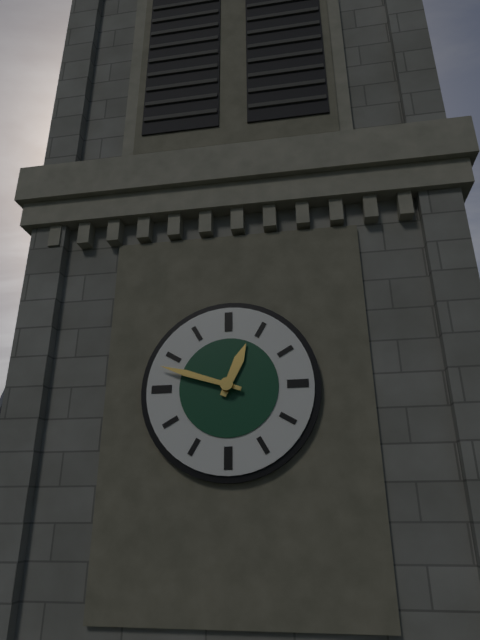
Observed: 12:48
